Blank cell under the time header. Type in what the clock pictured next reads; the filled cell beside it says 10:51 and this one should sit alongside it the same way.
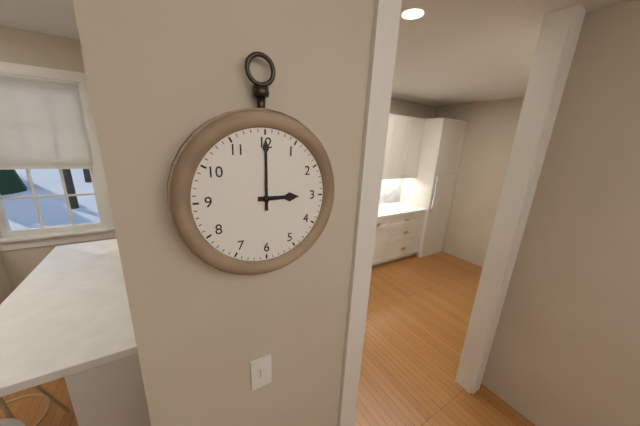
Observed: 3:00
